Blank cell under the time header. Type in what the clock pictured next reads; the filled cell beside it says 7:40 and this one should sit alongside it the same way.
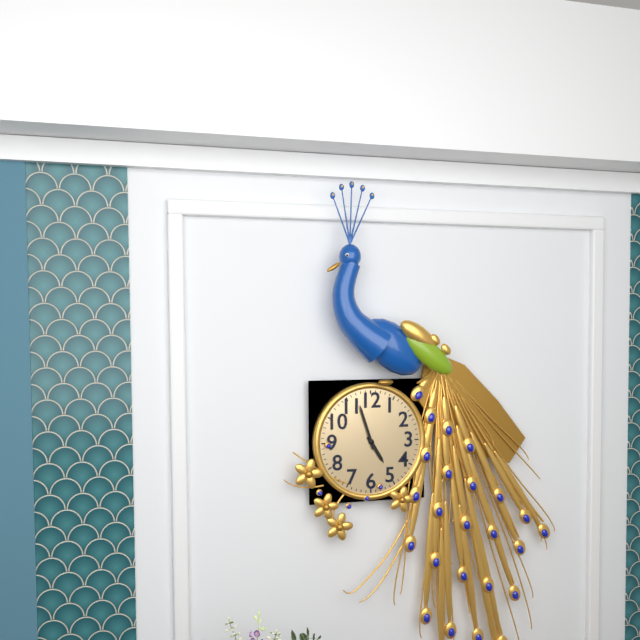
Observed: 4:57
